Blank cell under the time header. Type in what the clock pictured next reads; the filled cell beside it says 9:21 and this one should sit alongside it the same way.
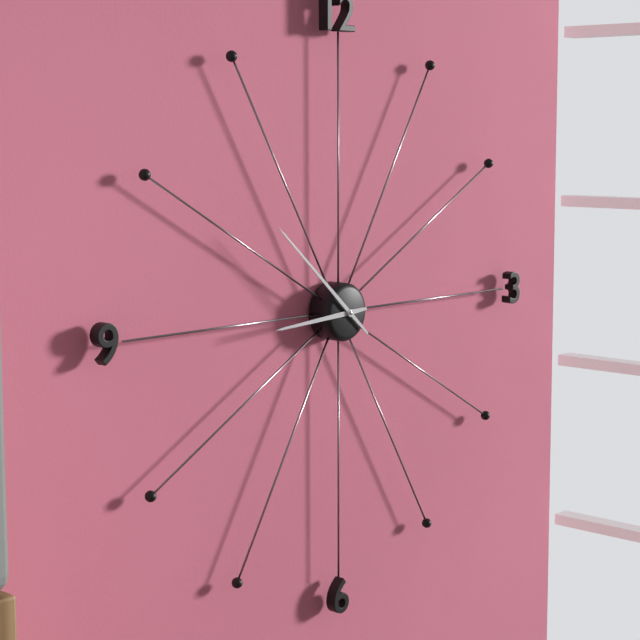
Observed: 8:52
